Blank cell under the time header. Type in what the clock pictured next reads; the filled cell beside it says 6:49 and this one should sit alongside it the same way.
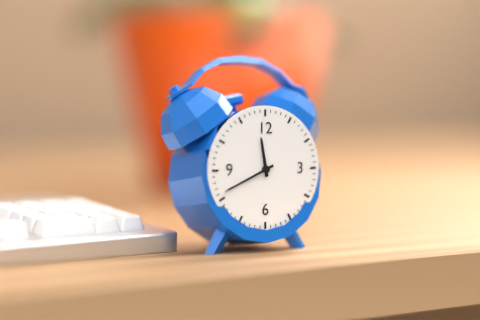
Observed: 11:41
